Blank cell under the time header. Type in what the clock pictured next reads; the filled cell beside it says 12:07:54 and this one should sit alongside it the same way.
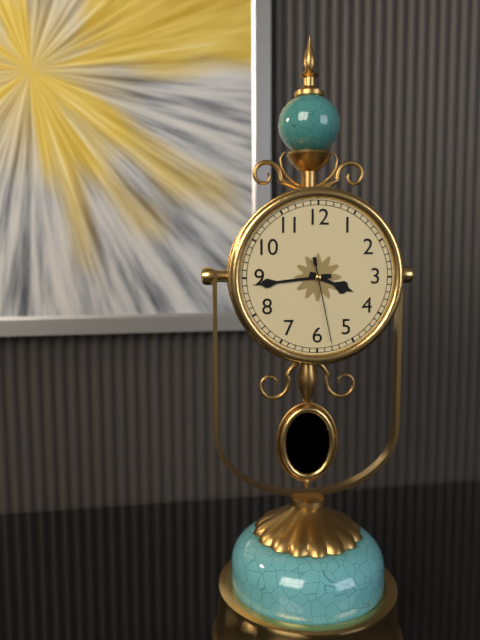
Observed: 3:44:28
